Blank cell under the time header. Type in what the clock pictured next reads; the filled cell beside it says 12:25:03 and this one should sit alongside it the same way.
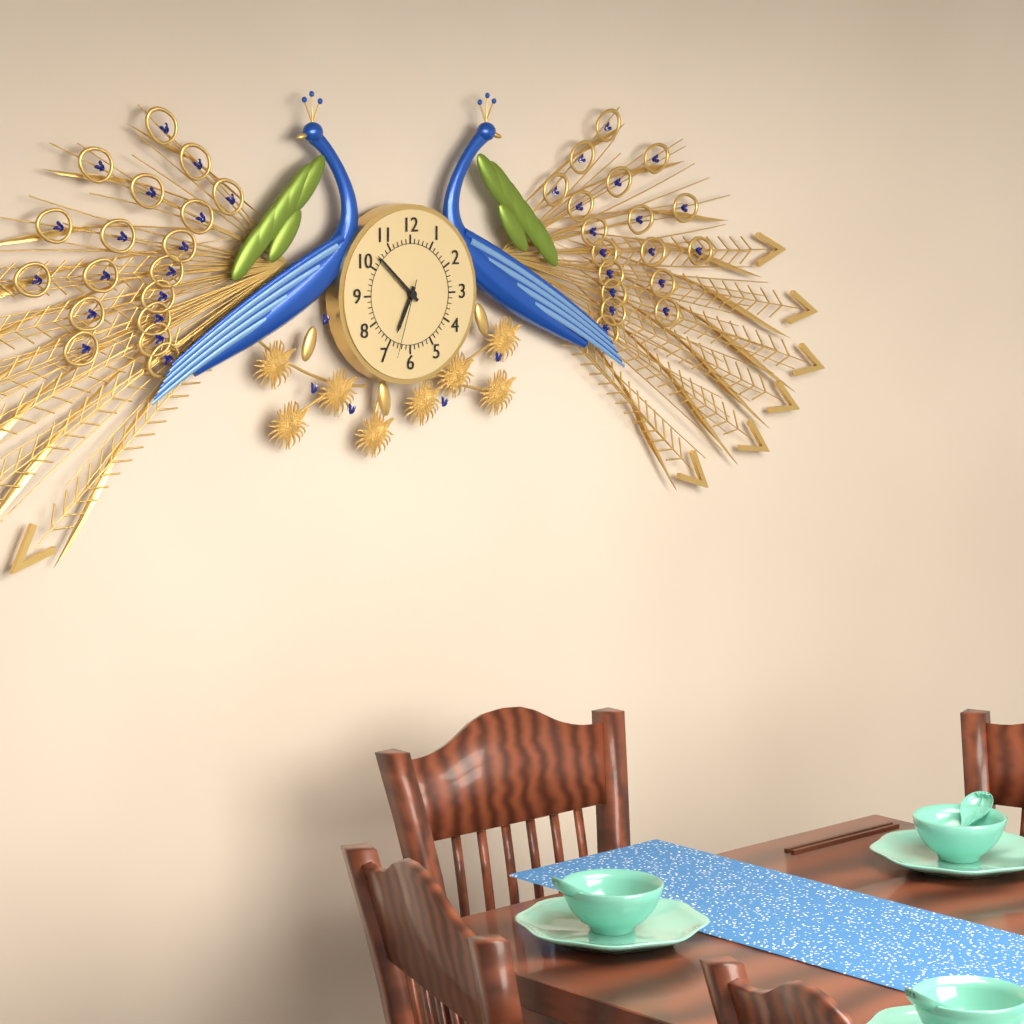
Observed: 6:52:33
